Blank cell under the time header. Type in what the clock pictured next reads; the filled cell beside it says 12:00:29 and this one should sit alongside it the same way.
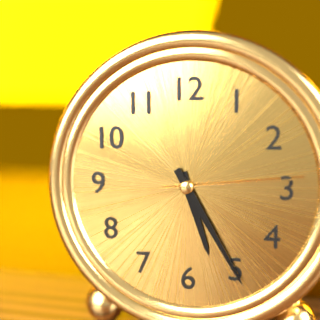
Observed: 5:25:14
